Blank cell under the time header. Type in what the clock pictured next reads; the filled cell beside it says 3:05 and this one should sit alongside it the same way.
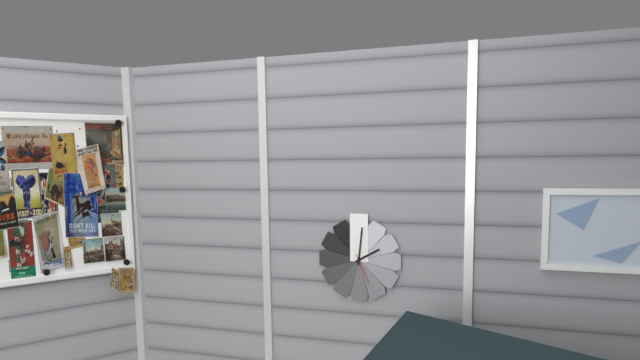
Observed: 2:01
